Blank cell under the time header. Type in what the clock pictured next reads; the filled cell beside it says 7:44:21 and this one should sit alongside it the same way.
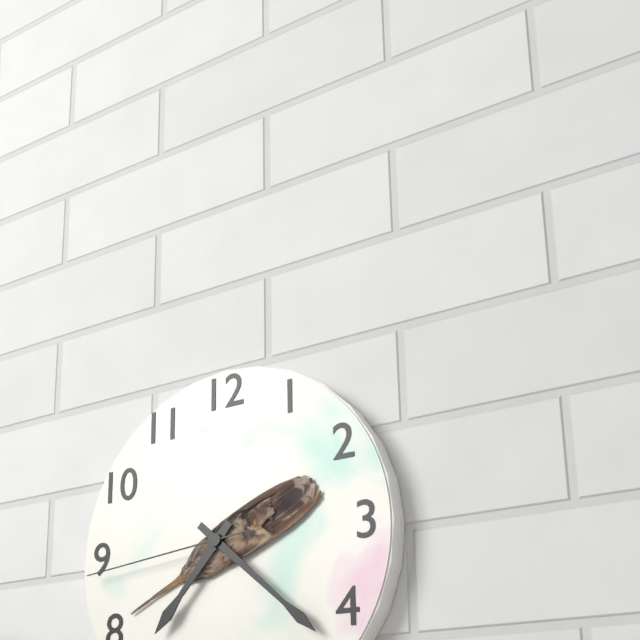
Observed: 7:22:44
